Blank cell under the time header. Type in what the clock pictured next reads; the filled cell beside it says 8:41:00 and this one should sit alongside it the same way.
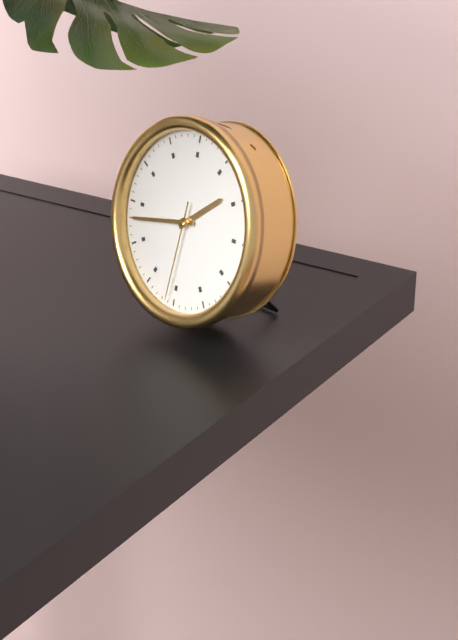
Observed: 1:43:31
